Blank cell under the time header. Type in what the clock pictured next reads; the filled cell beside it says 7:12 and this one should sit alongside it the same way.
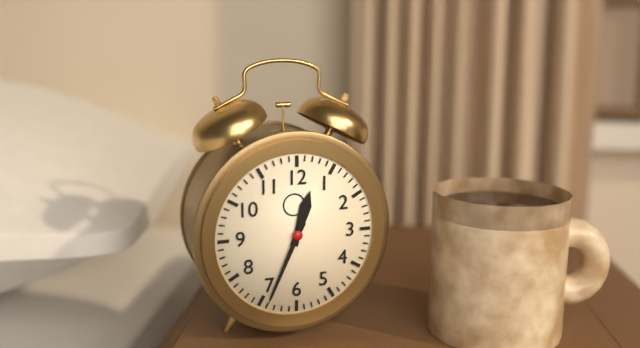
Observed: 12:34
